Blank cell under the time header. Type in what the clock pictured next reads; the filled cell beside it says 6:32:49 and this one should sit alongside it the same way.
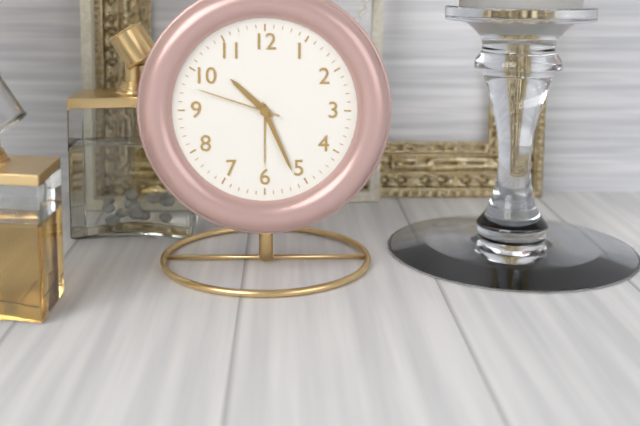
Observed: 10:26:48
